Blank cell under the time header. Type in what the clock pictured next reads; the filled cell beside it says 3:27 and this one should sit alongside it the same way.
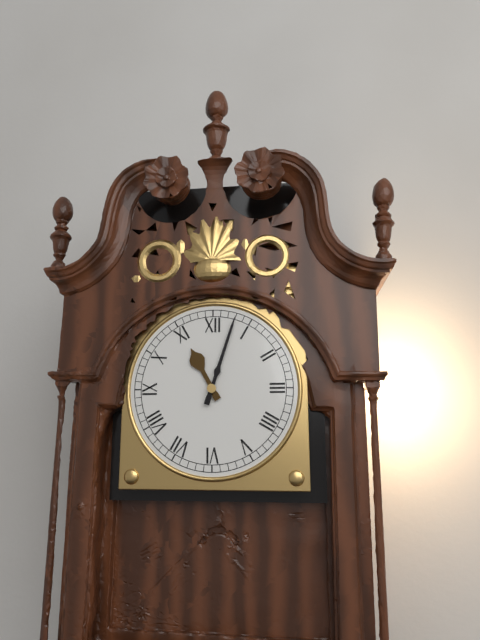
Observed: 11:03
